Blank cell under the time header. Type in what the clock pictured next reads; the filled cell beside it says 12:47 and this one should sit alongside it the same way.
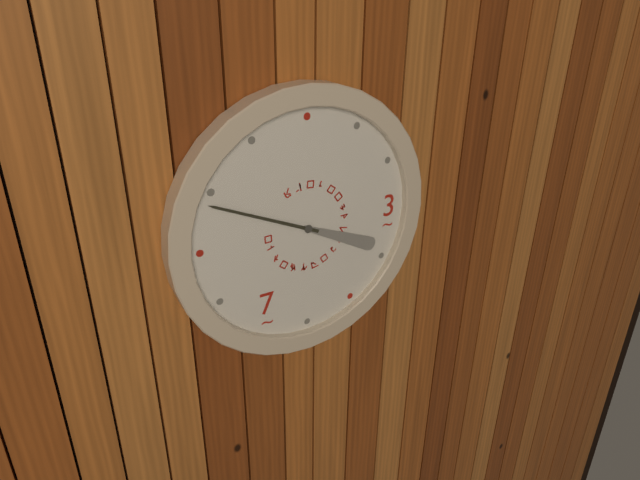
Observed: 3:49
